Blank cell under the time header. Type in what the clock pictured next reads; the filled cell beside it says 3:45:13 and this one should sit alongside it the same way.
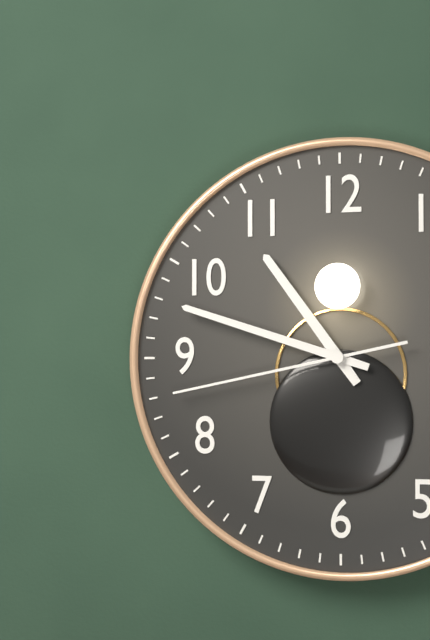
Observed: 10:48:43
